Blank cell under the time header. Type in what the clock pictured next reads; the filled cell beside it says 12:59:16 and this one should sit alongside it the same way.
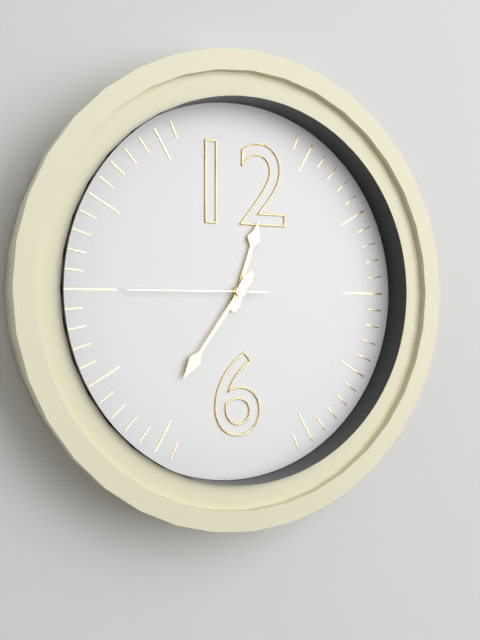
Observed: 12:36:45
